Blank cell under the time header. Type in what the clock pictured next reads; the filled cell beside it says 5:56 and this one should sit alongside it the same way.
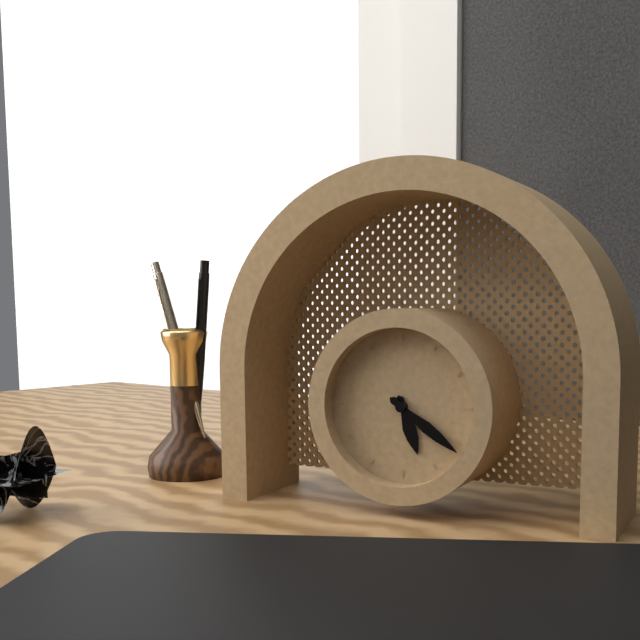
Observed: 5:21
